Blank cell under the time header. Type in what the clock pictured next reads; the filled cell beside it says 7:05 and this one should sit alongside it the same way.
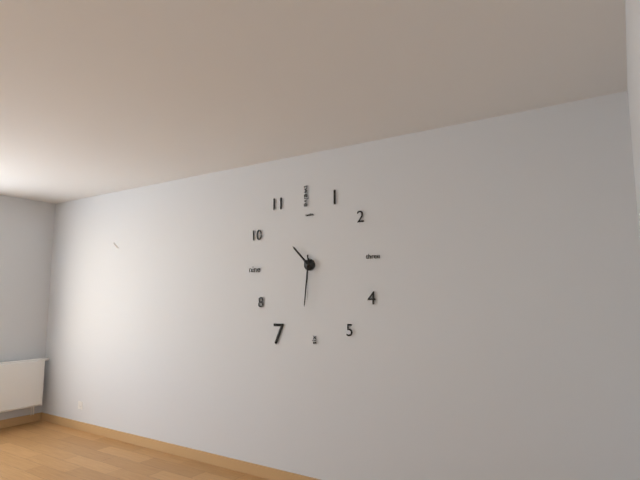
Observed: 10:31
